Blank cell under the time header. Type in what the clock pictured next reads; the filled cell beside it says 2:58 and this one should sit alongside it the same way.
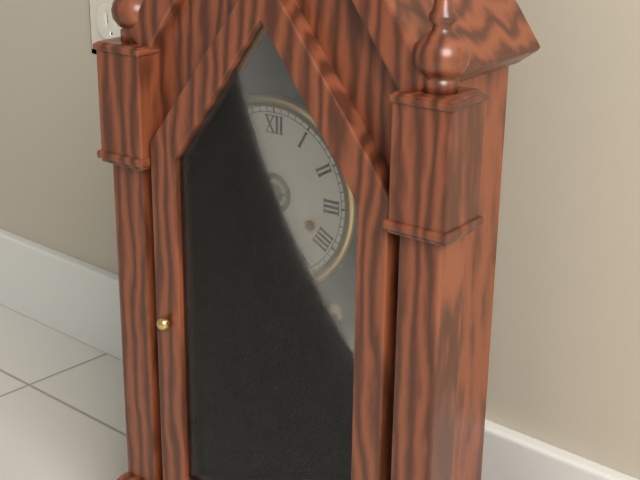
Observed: 9:44
